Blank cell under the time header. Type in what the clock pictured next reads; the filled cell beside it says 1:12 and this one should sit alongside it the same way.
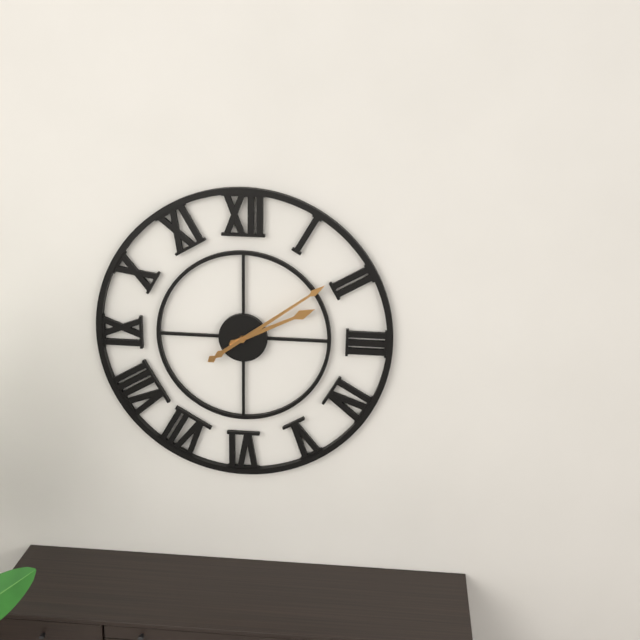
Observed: 2:09
